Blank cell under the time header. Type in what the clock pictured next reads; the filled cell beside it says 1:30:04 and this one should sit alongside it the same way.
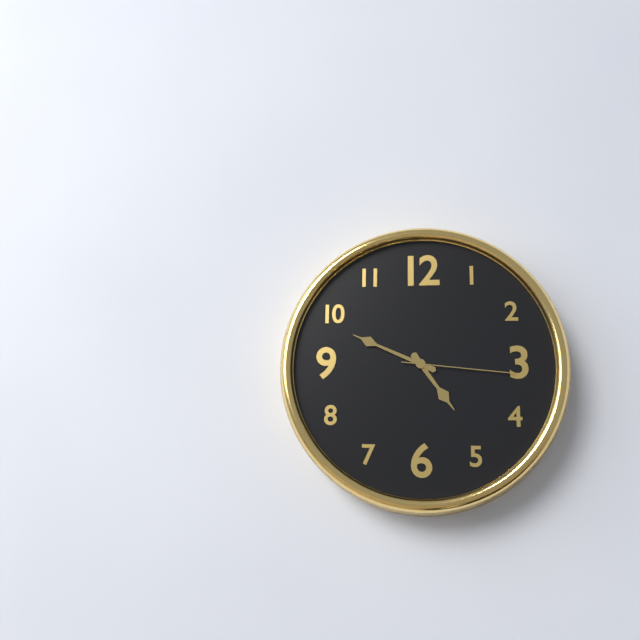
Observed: 4:49:16
